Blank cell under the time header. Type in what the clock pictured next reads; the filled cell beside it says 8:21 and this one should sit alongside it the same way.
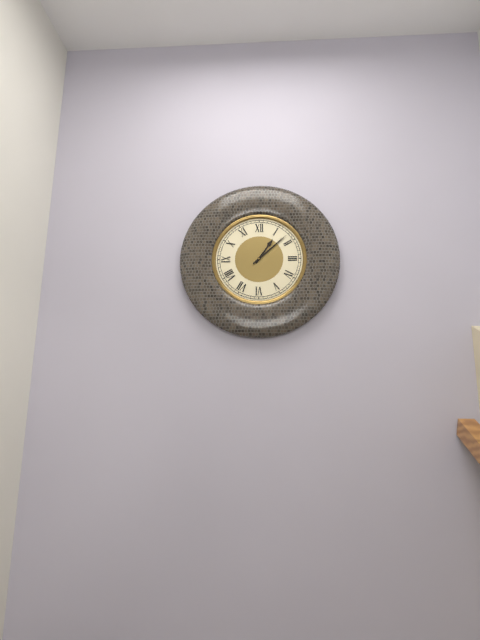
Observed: 1:08
